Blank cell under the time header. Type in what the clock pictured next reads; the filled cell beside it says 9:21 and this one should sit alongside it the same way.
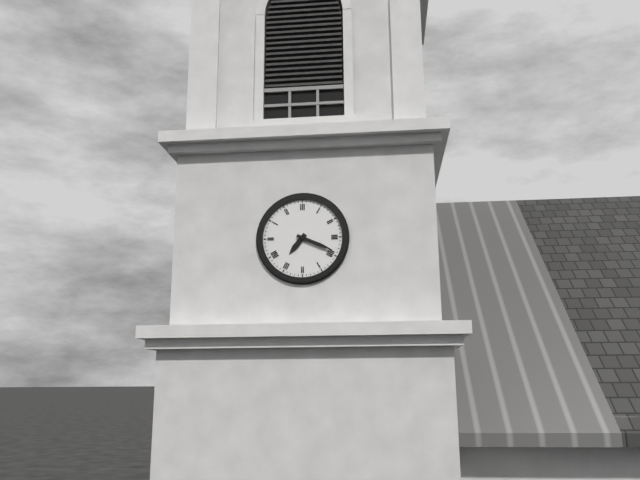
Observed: 7:19
